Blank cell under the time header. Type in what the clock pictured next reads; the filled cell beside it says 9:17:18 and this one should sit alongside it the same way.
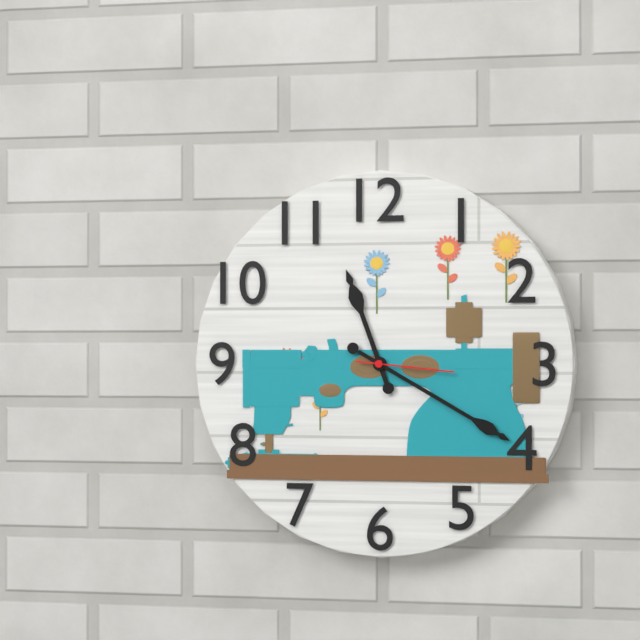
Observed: 11:20:16
